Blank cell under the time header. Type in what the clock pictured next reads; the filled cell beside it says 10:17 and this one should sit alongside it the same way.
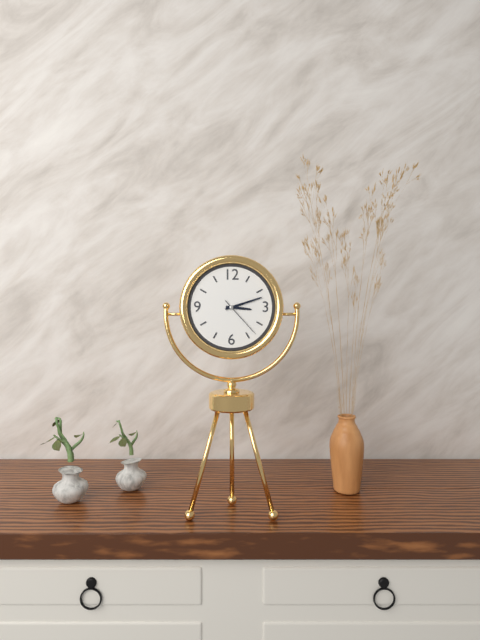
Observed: 3:12
